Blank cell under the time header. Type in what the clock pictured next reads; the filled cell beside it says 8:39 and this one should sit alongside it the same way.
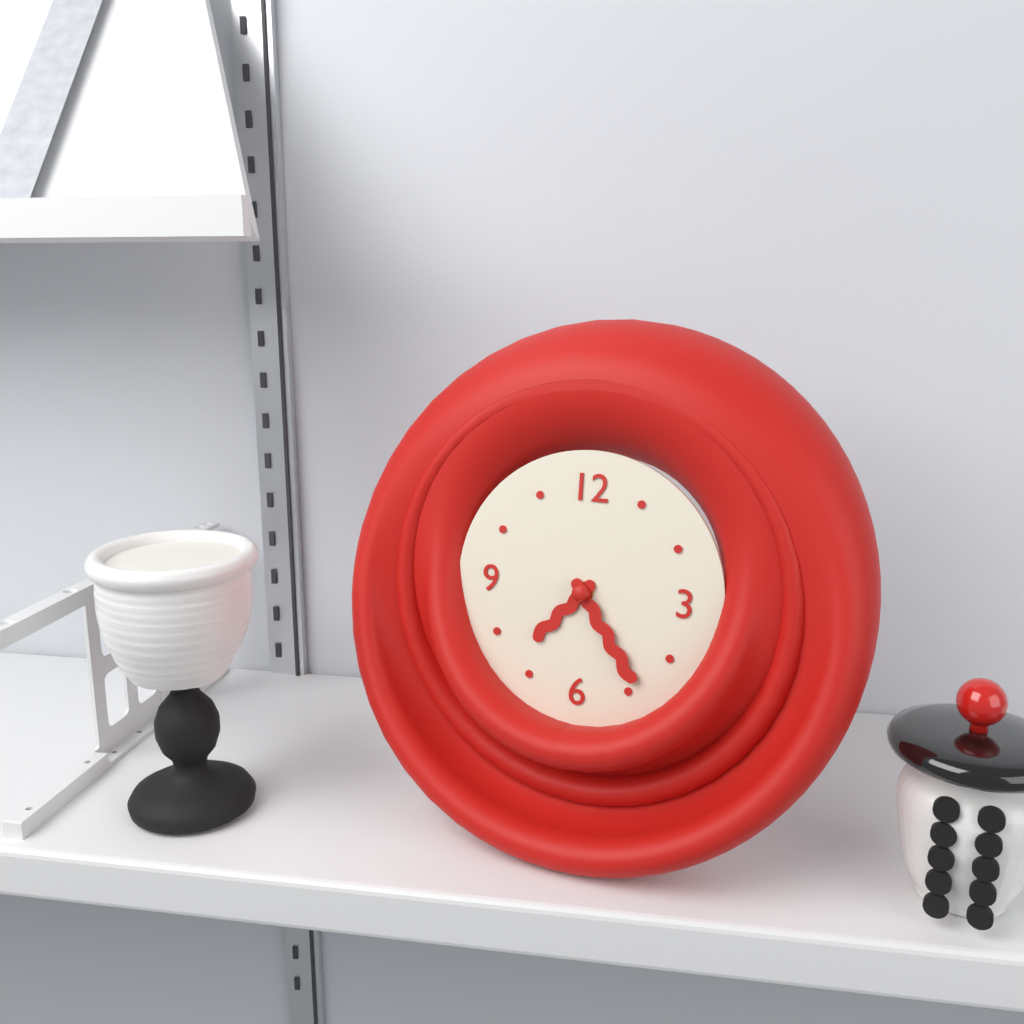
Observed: 7:24
